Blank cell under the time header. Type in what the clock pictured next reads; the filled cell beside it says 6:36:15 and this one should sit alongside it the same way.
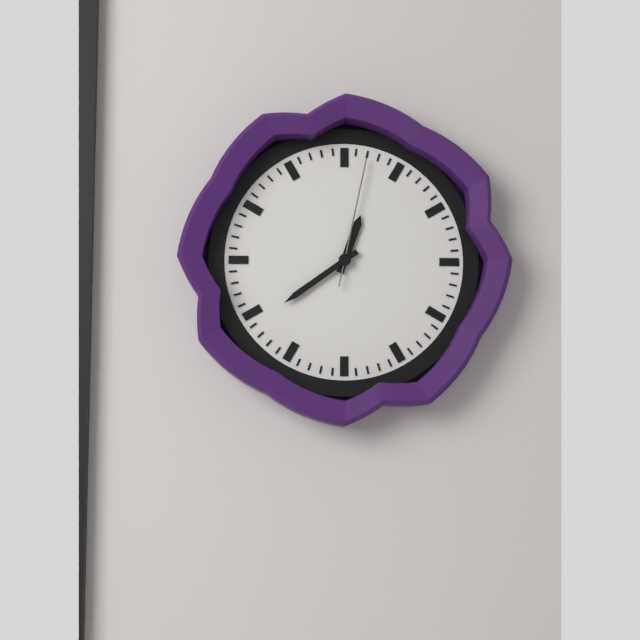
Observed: 12:39:02
